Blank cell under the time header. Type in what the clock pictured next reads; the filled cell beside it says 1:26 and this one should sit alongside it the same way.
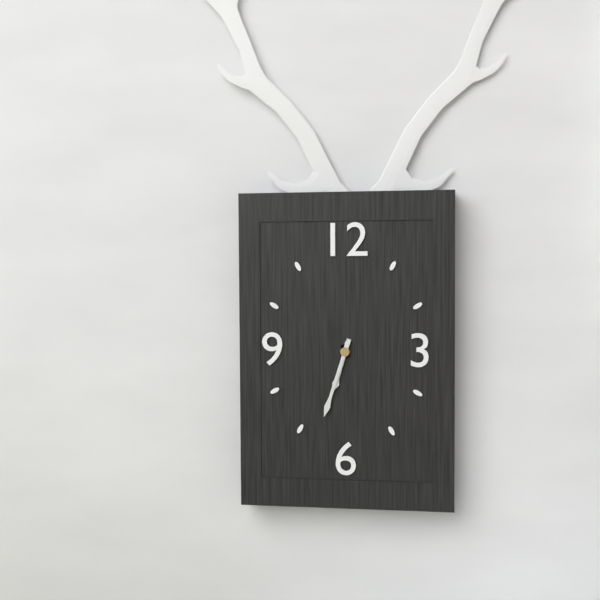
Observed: 6:33
